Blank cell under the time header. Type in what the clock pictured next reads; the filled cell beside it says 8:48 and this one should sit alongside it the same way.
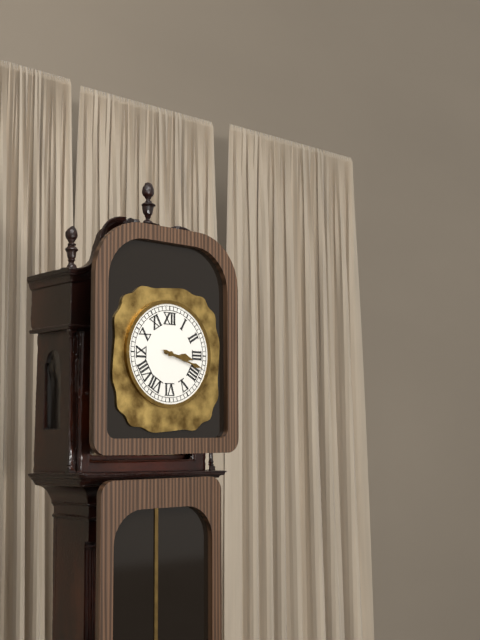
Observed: 3:18
